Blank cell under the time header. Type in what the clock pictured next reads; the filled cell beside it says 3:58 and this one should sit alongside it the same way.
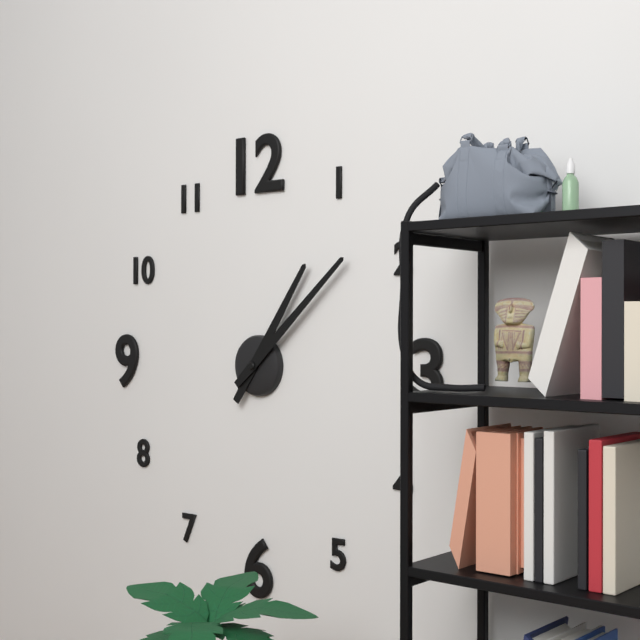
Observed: 1:08
